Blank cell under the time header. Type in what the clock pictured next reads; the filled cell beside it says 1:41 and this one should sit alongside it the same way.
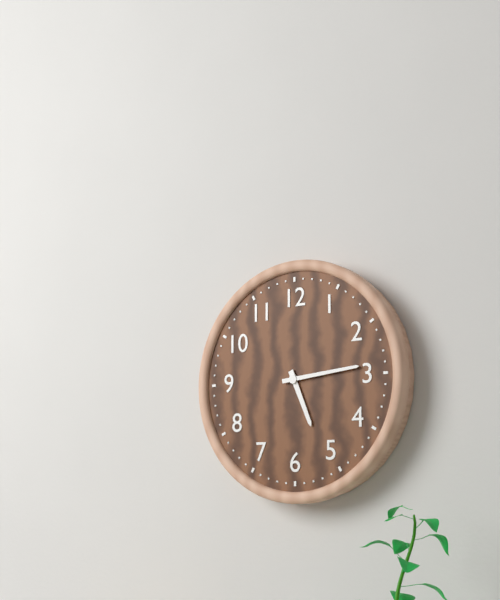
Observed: 5:14
